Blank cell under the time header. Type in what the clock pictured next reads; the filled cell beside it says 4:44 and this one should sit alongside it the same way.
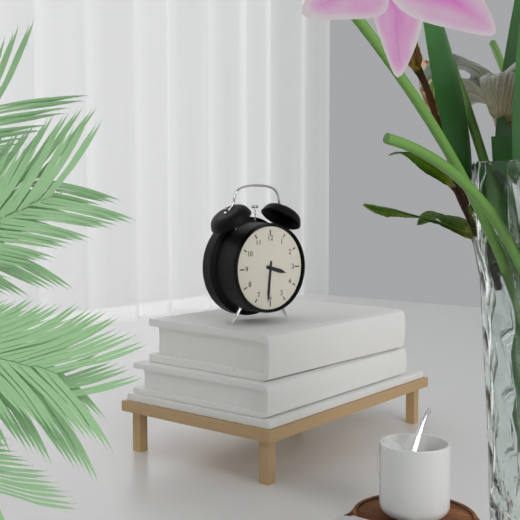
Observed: 3:31
